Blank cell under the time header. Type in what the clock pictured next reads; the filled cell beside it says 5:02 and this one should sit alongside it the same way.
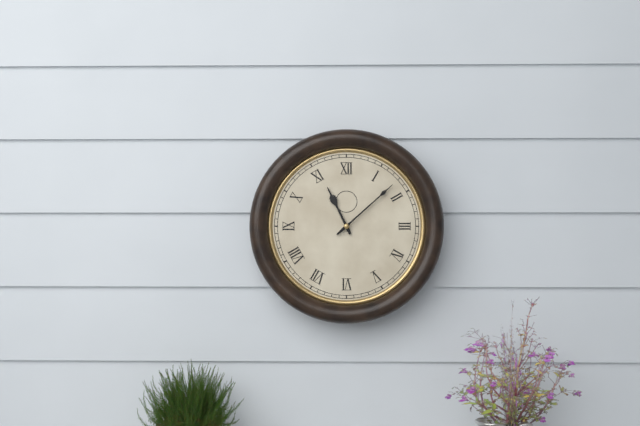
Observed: 11:08
